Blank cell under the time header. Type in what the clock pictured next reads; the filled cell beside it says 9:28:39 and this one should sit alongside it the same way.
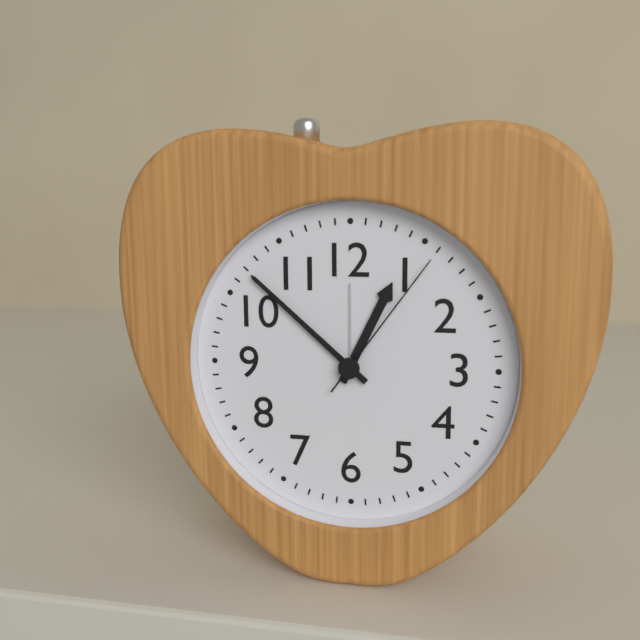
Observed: 12:52:06
